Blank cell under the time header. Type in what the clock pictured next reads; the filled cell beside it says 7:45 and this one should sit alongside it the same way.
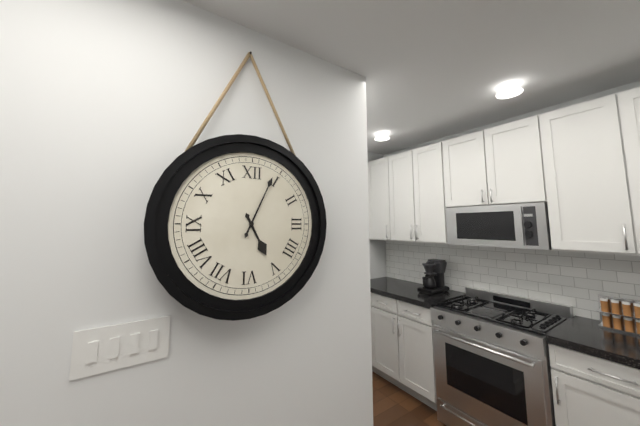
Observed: 5:04
